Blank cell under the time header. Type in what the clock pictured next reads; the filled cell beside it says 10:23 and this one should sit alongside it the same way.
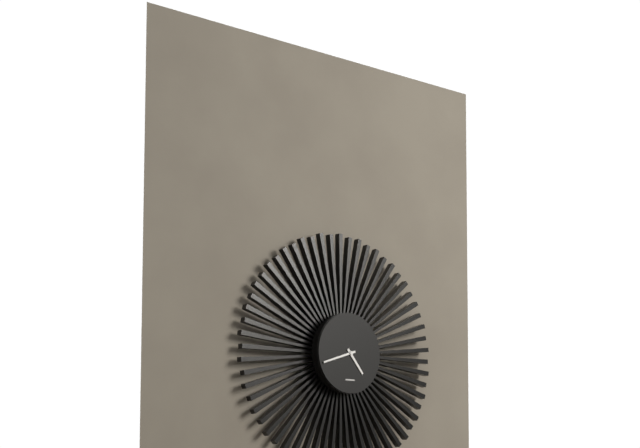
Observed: 4:42
